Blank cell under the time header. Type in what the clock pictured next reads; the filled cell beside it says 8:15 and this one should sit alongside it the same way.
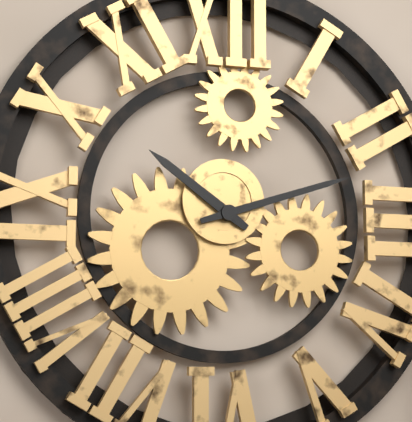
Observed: 10:12
